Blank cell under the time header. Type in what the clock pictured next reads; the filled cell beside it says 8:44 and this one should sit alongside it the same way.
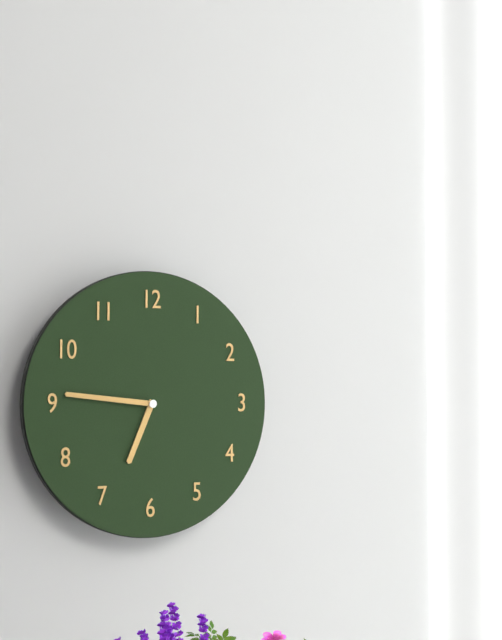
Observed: 6:46
